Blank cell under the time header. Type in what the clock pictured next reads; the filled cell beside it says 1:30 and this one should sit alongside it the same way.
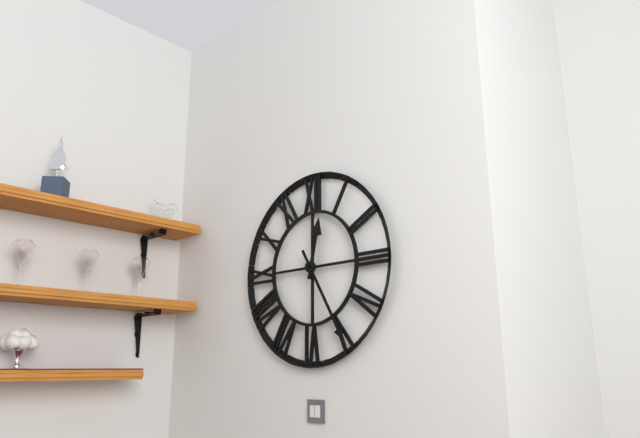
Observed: 12:25
